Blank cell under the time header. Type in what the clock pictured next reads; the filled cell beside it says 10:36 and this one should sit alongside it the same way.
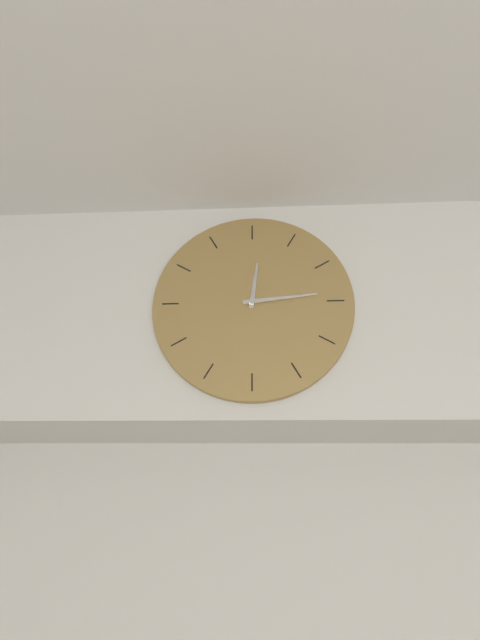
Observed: 12:14
